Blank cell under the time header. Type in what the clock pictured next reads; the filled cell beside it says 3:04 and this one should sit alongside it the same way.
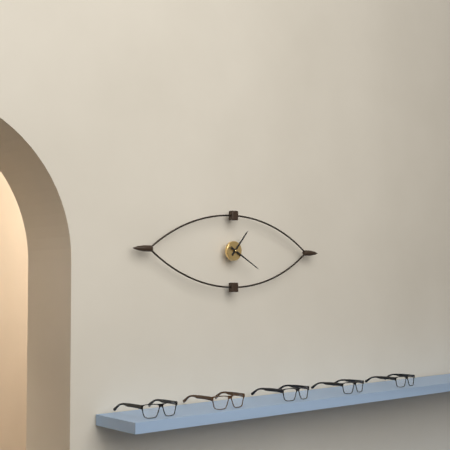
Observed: 1:20
